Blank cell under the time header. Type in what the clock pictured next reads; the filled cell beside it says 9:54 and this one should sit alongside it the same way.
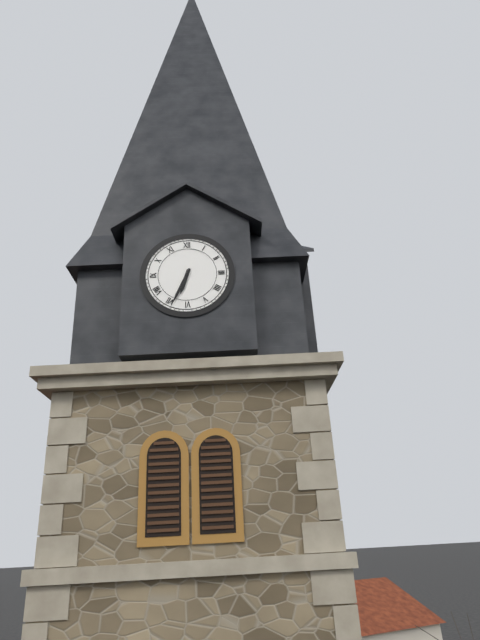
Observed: 6:34
